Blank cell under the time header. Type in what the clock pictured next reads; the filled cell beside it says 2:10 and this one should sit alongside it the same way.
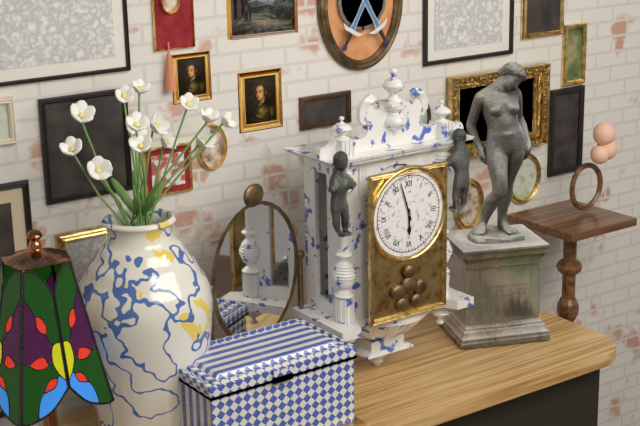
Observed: 5:57
